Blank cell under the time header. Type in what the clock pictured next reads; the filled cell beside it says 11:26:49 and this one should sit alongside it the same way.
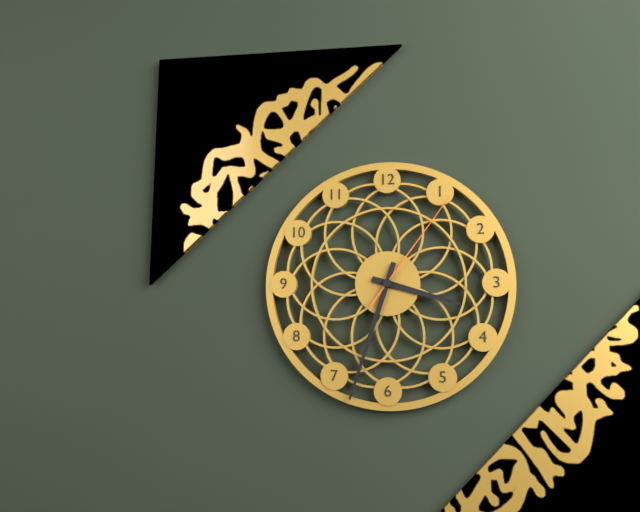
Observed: 3:33:06
